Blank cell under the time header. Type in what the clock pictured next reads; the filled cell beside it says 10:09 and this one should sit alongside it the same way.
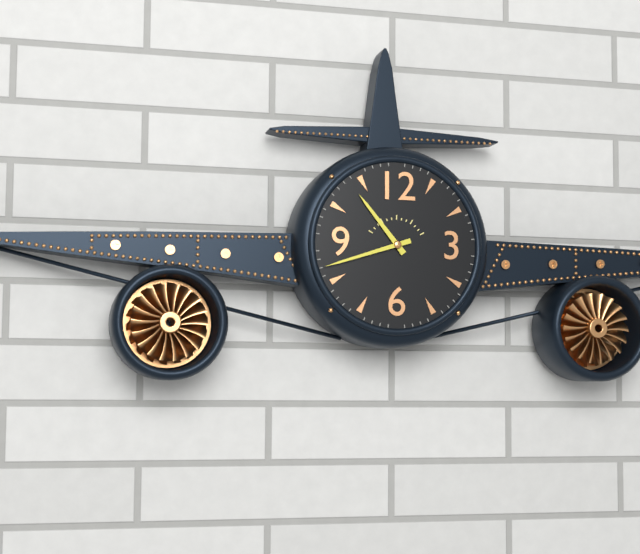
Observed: 10:42
